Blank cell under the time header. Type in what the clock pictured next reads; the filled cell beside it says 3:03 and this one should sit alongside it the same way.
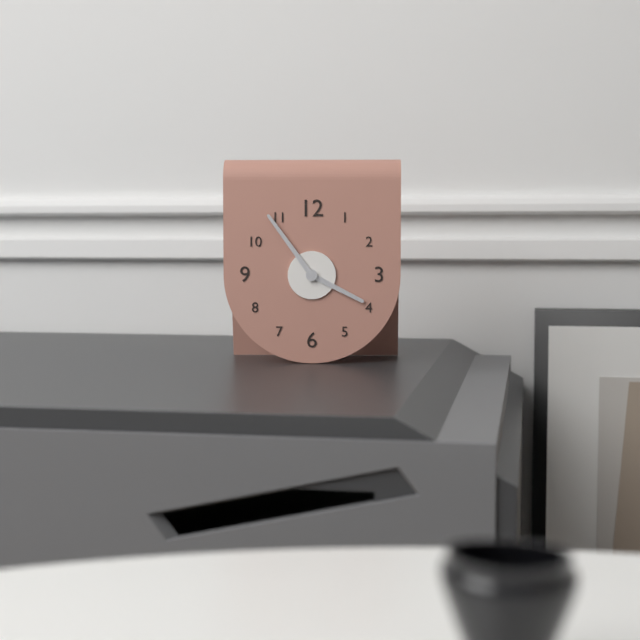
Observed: 3:54
